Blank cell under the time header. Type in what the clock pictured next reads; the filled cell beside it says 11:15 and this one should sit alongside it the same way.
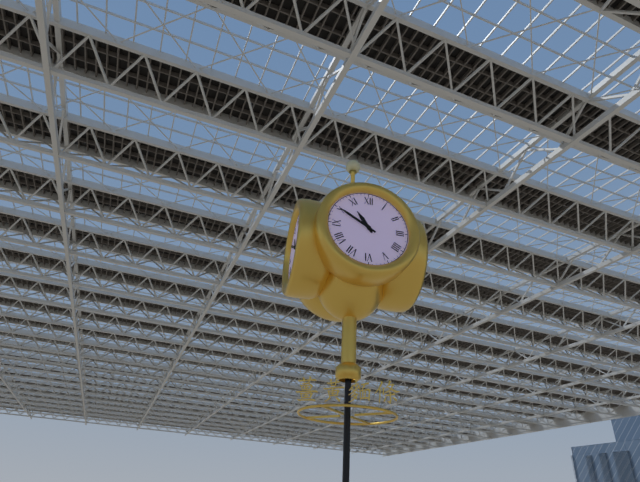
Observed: 10:50
